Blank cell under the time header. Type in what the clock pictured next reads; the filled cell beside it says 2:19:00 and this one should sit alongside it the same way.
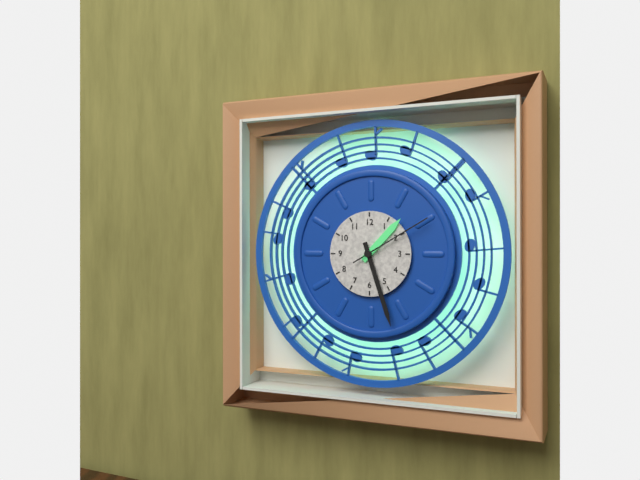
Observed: 1:27:10
